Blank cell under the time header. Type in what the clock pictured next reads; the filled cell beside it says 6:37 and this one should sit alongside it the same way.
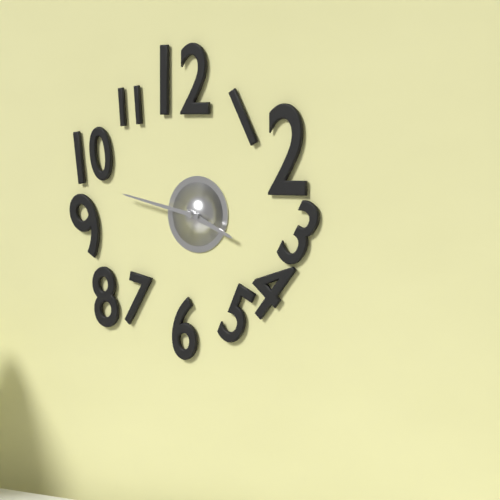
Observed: 3:47
